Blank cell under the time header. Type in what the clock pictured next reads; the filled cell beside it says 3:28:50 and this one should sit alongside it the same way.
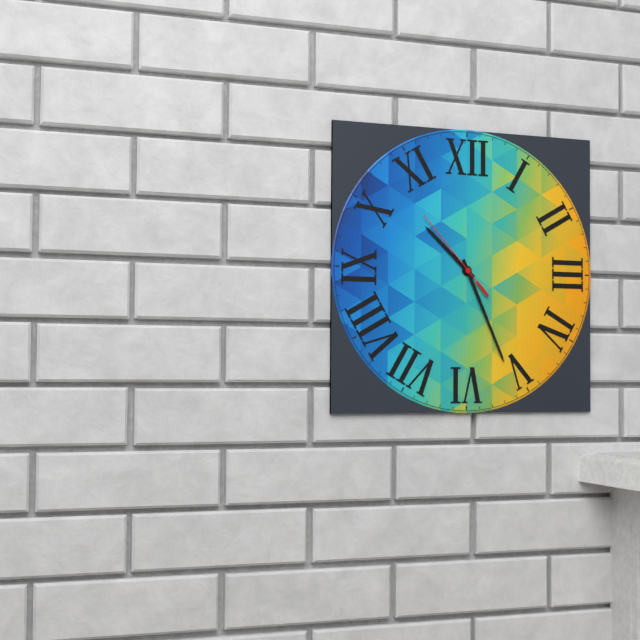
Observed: 10:26:53
